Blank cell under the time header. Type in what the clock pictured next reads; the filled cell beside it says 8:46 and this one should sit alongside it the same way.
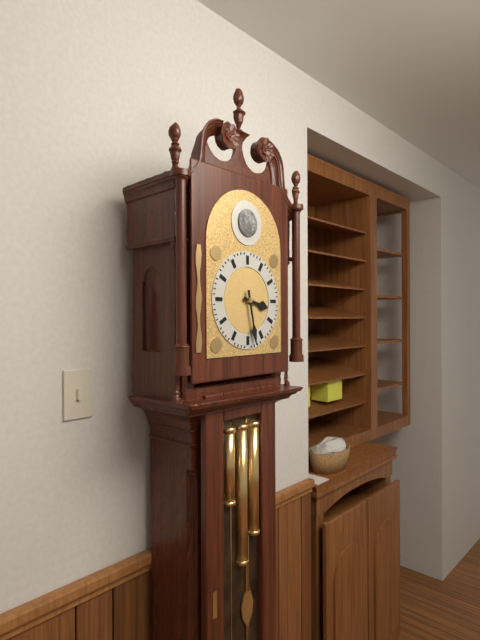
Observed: 3:28
